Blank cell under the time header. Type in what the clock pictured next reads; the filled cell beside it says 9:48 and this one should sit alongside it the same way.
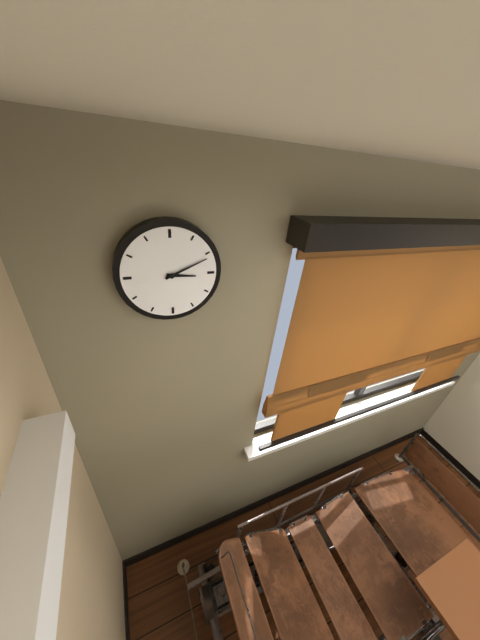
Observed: 3:11
